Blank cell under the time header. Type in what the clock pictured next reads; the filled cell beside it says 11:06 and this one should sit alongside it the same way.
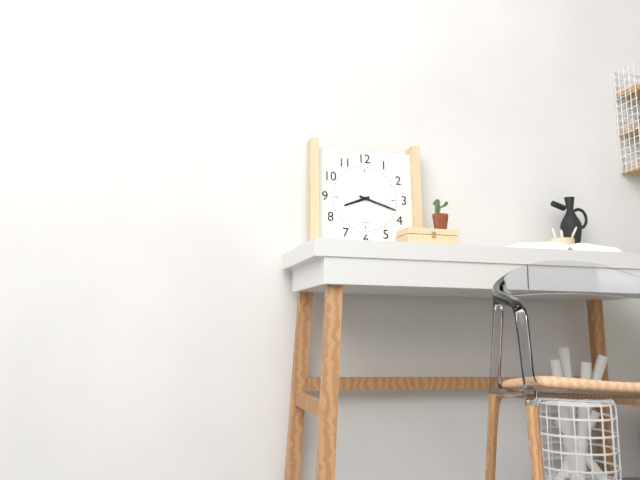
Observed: 8:18
